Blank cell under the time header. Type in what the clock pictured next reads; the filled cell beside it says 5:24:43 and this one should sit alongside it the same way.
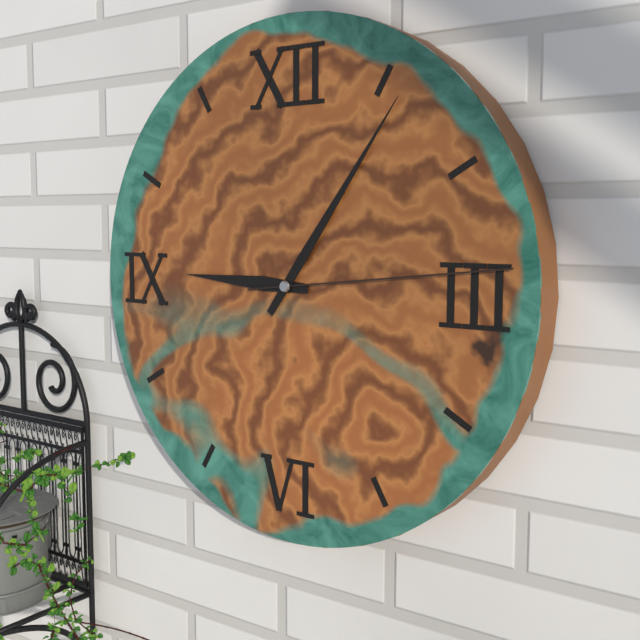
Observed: 9:06:14
